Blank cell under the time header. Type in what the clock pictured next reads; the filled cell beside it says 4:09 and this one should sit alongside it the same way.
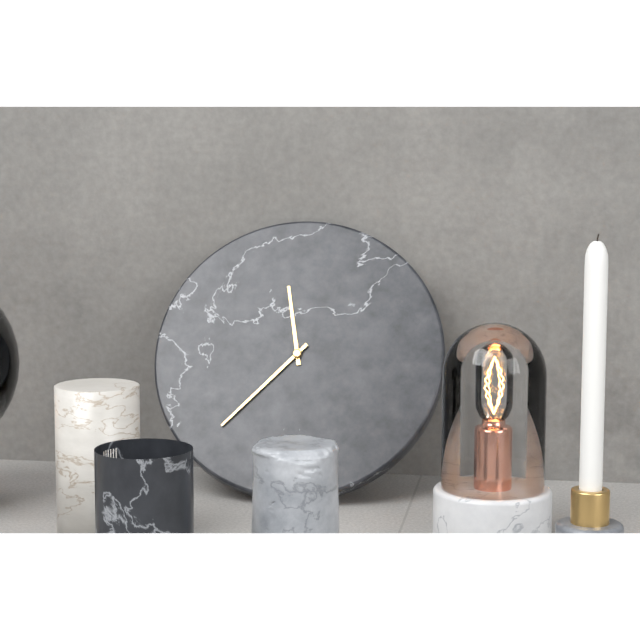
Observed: 11:37
